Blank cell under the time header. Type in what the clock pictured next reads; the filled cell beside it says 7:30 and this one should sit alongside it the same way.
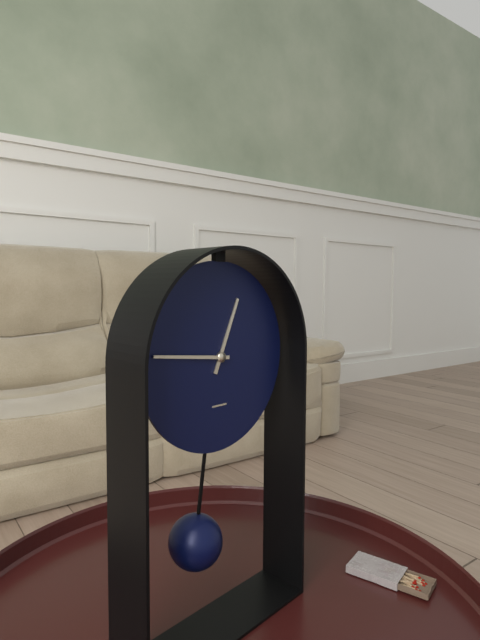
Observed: 12:46
